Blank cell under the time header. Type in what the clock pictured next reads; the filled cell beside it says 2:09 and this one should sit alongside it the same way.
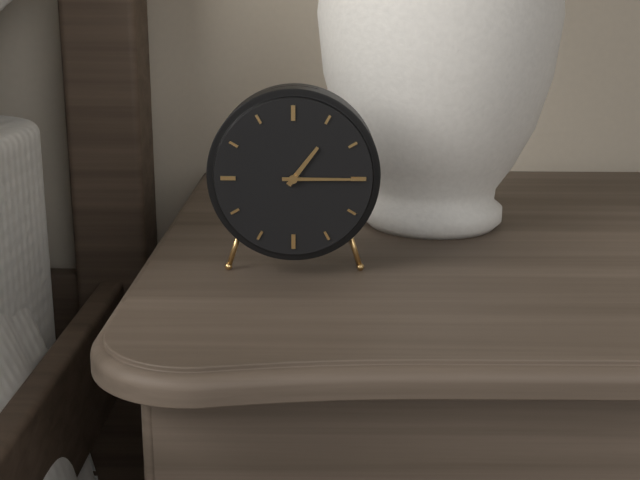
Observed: 1:15
